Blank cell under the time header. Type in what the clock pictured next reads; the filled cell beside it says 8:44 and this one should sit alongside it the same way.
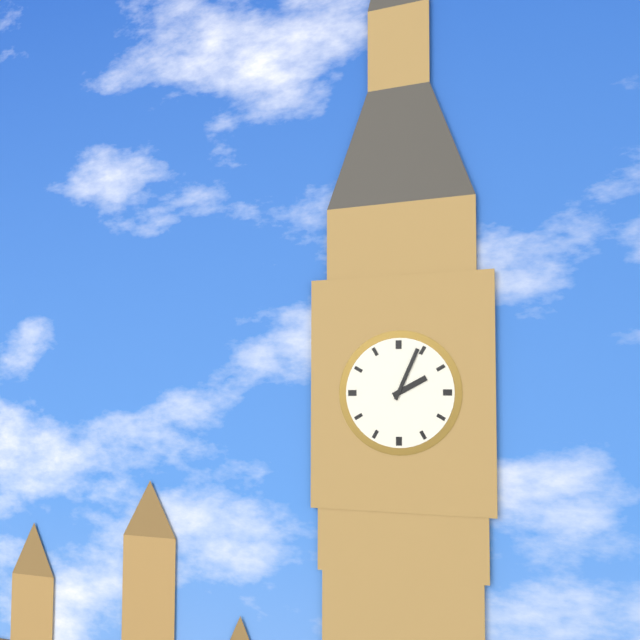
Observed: 2:04
